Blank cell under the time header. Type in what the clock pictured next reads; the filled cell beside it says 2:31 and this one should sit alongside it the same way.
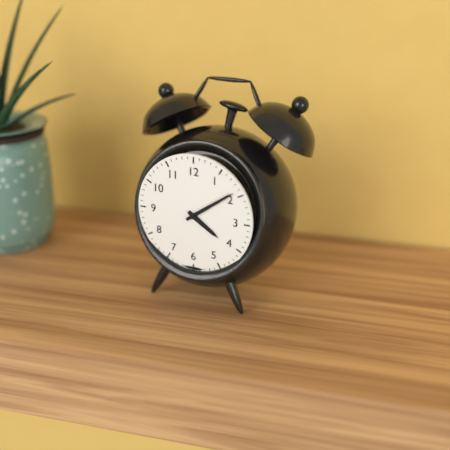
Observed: 4:09
